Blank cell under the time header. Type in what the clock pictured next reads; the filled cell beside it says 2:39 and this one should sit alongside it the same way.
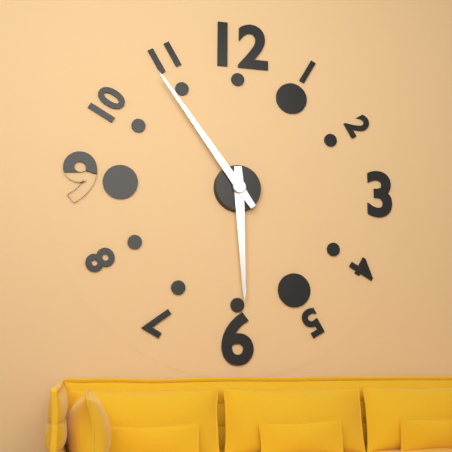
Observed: 5:54
